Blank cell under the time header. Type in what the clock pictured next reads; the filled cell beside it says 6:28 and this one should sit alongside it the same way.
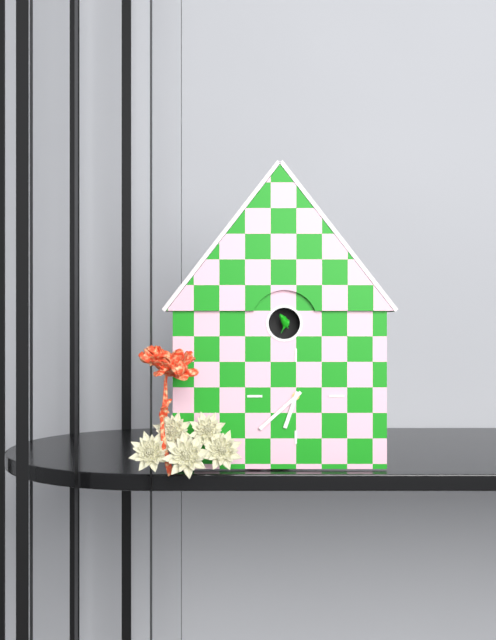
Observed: 6:38
